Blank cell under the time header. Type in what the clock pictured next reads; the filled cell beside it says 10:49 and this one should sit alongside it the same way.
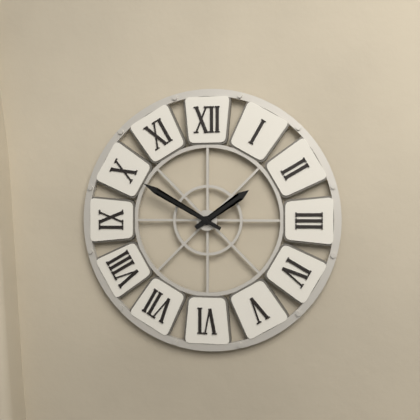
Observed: 1:50
